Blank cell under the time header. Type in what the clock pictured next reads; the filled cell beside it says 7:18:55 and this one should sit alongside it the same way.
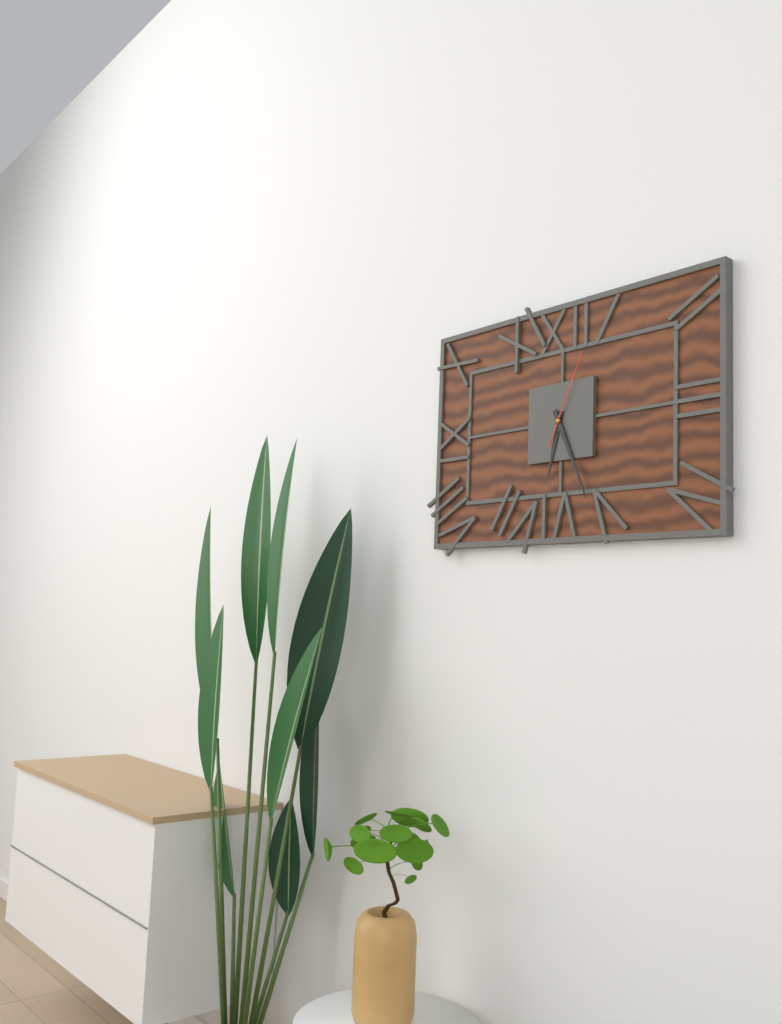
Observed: 6:26:04
